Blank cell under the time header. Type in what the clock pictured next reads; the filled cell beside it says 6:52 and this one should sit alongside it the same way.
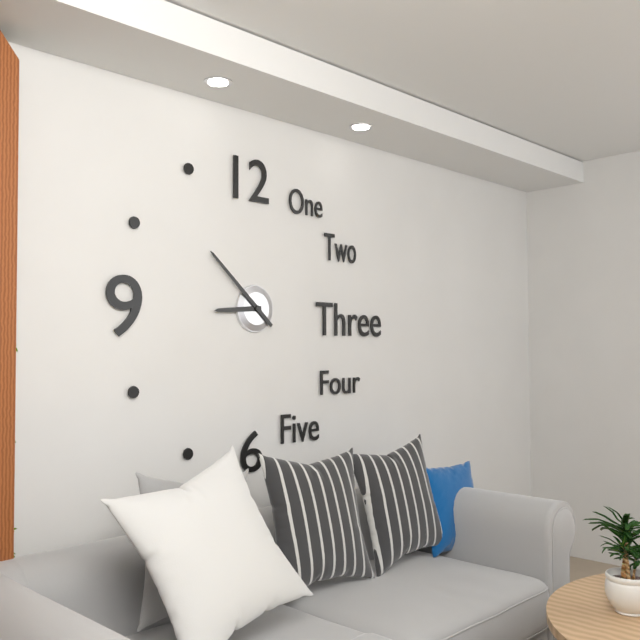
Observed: 8:52
